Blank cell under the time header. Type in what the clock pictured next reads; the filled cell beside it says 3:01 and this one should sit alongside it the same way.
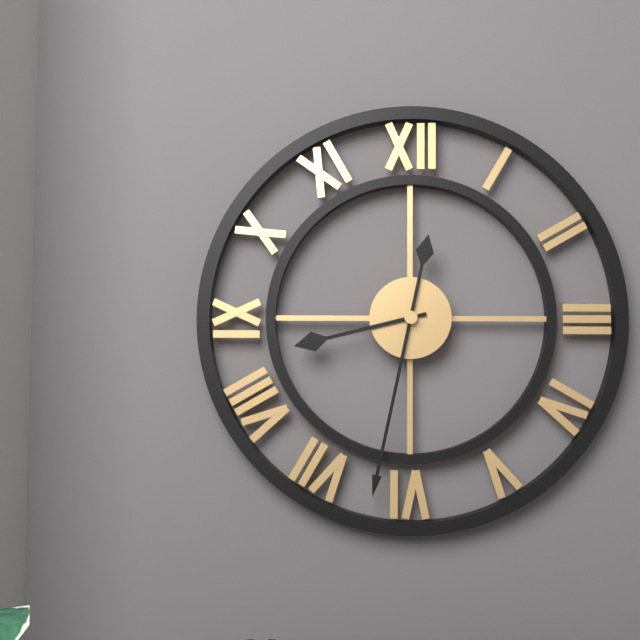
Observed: 8:32
